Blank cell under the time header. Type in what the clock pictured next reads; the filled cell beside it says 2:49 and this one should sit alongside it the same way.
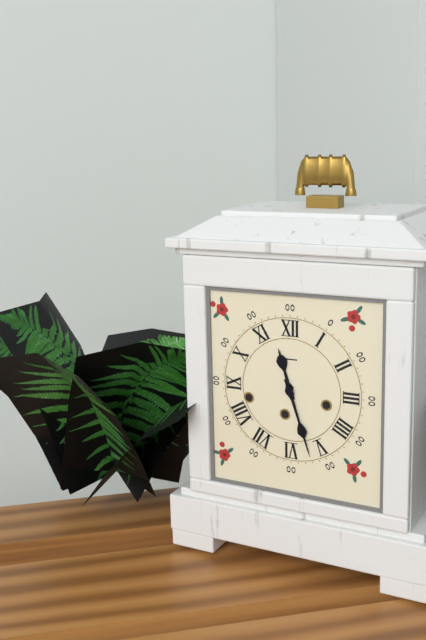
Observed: 11:27
